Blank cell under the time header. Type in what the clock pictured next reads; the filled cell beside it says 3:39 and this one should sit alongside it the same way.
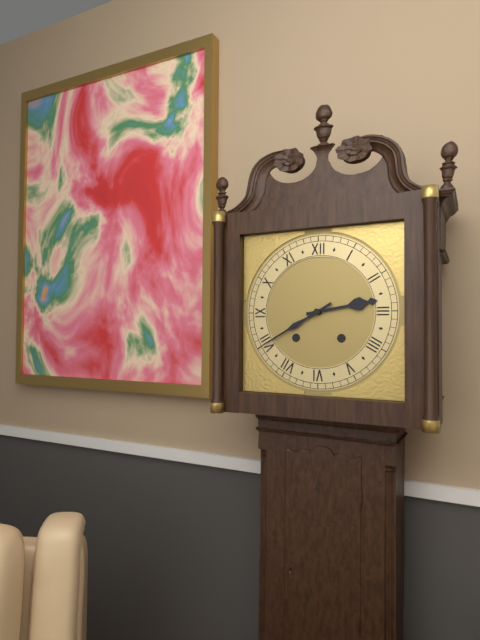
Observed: 2:40
